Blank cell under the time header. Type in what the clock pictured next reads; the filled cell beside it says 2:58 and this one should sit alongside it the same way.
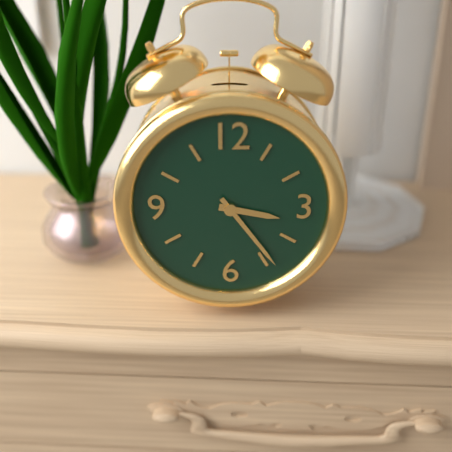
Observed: 3:24
